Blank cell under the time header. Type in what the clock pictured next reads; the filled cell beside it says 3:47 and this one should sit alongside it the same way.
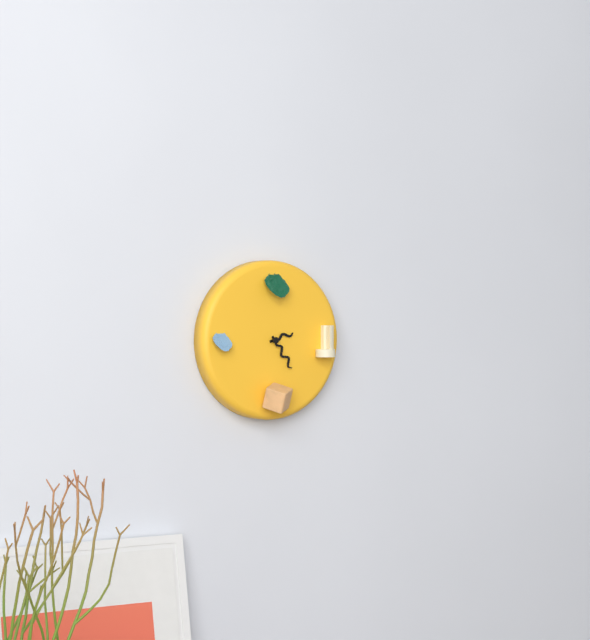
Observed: 2:24
